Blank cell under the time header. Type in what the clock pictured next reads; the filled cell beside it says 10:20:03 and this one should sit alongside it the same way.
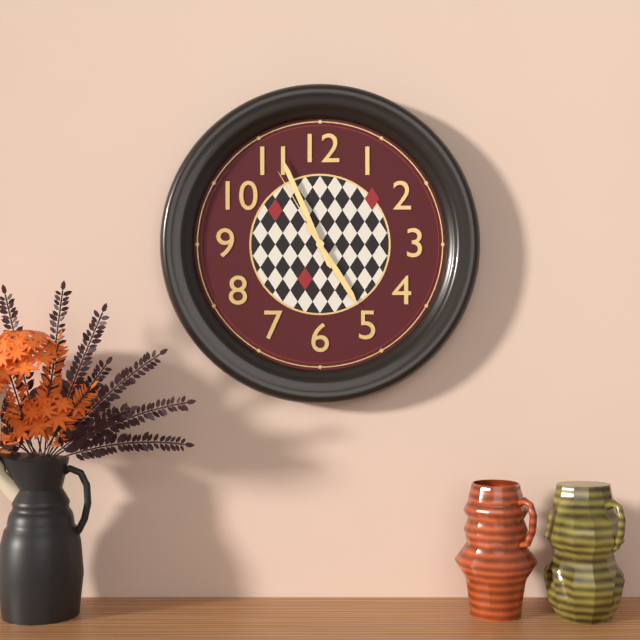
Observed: 4:56:55
